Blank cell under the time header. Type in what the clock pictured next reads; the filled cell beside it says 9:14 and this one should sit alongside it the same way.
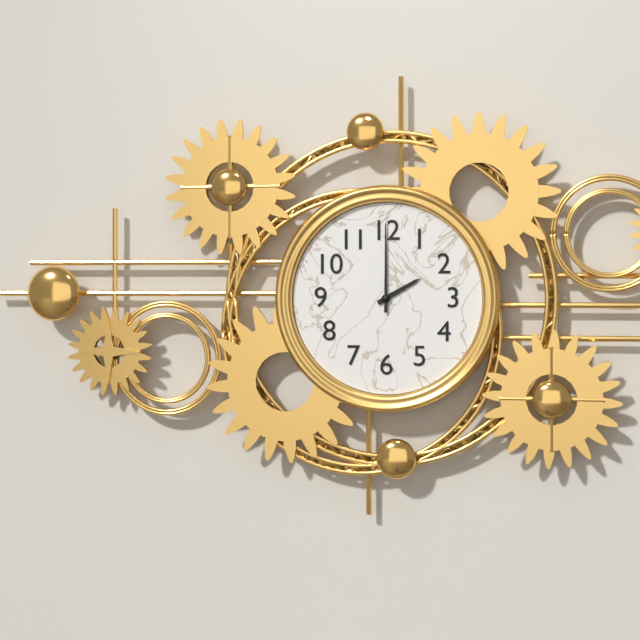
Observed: 2:00
